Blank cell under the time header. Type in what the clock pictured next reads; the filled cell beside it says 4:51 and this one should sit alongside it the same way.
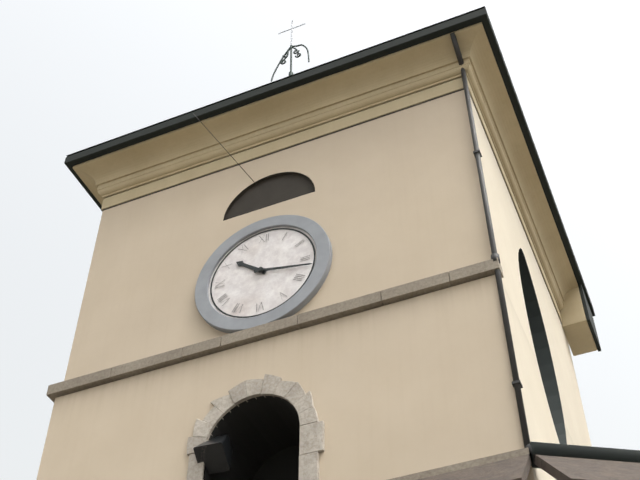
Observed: 10:17
